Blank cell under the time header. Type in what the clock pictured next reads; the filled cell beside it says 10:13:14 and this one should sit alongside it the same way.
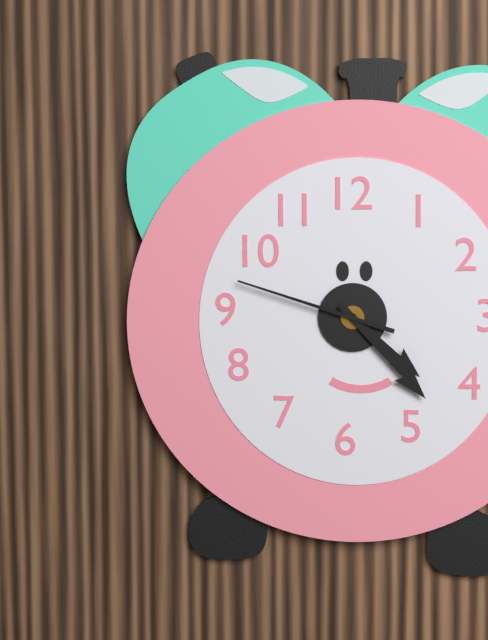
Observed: 4:23:48
